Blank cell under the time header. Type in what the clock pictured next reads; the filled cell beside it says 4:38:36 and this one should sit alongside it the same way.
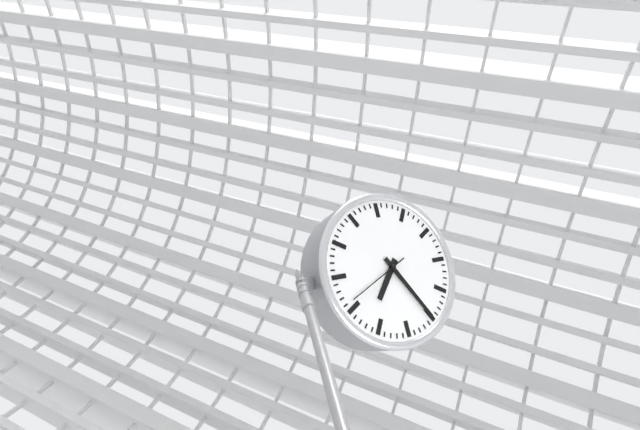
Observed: 6:20:36
